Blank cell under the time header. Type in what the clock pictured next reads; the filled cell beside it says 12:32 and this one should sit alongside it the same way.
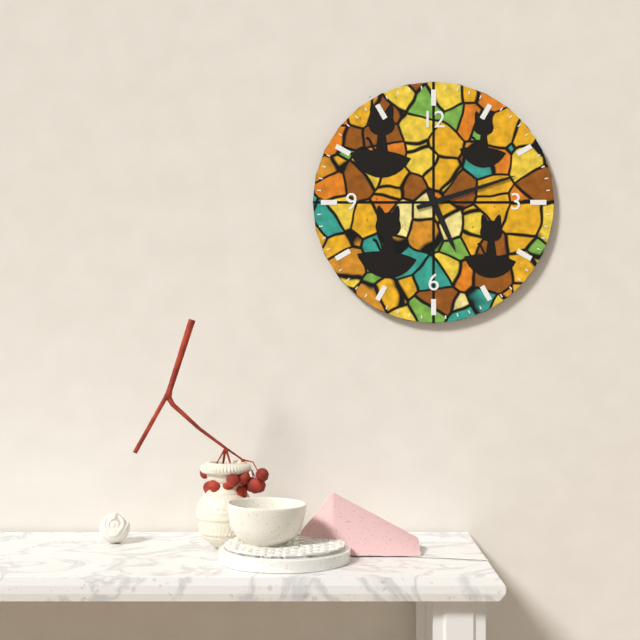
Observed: 5:12
